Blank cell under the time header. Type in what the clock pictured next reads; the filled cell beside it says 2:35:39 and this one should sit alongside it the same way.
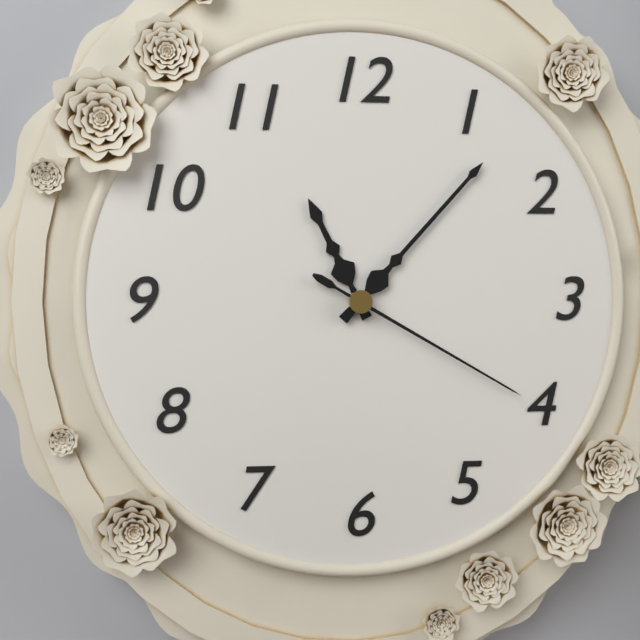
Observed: 11:07:20
